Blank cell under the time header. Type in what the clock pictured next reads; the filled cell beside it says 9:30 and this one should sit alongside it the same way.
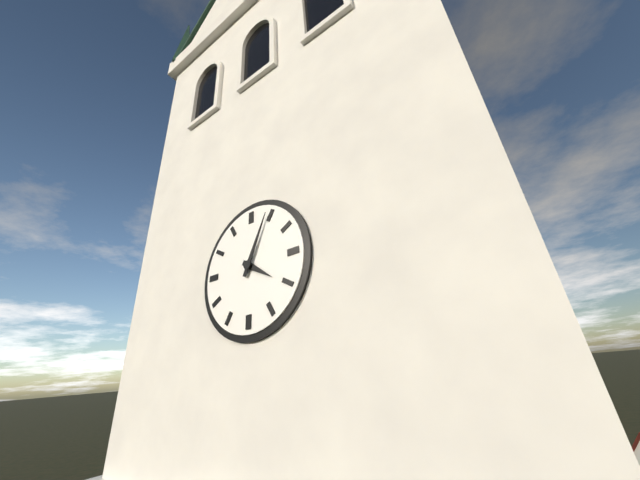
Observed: 4:04
